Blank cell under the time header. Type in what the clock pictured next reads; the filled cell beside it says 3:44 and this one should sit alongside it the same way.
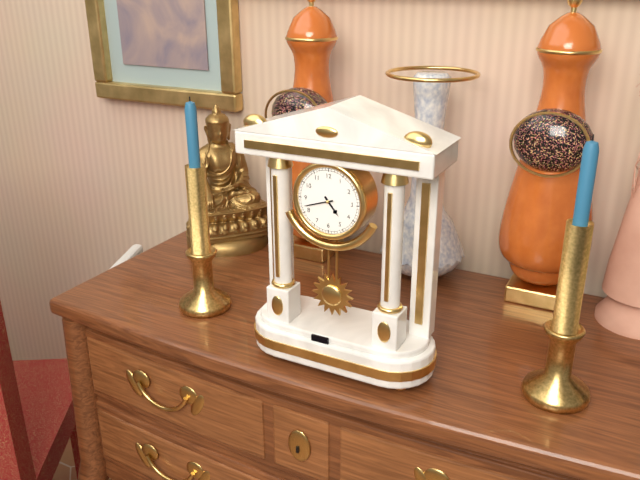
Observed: 4:42
